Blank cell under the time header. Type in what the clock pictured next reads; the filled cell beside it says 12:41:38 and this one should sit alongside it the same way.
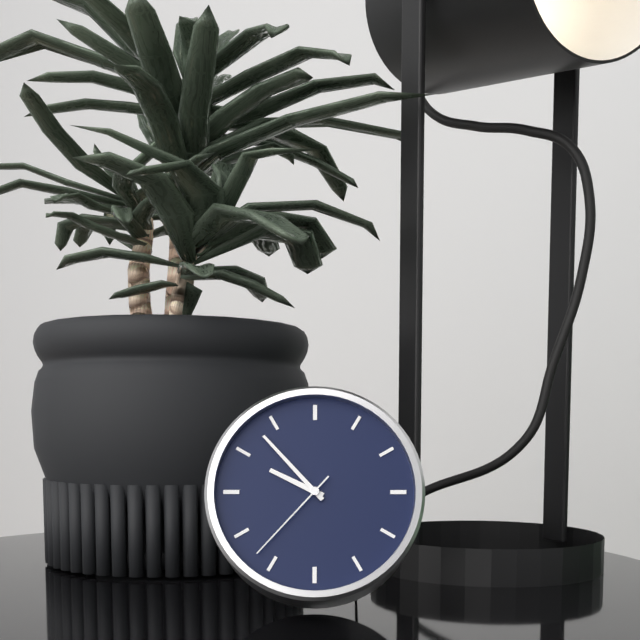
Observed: 9:53:37
